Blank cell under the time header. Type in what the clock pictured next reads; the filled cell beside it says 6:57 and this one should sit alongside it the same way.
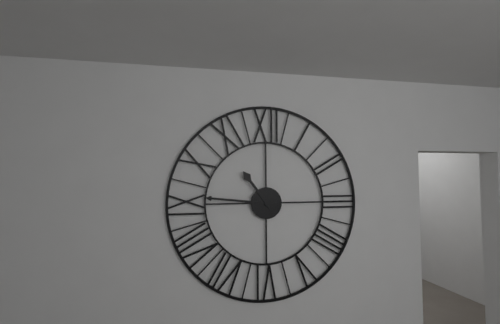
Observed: 10:46
